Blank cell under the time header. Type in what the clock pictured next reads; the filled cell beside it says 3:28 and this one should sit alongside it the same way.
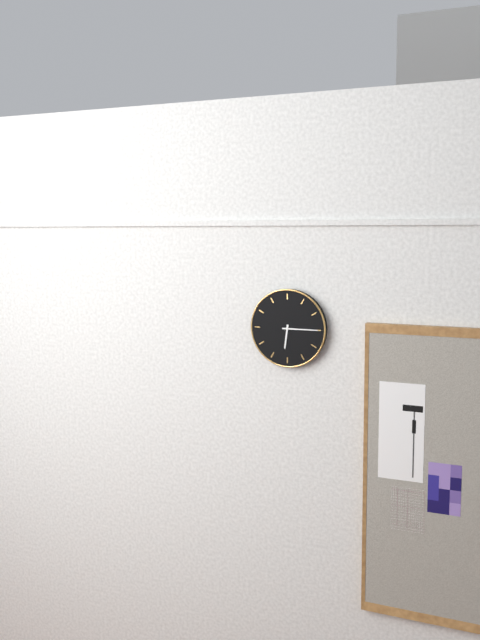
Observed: 6:15
